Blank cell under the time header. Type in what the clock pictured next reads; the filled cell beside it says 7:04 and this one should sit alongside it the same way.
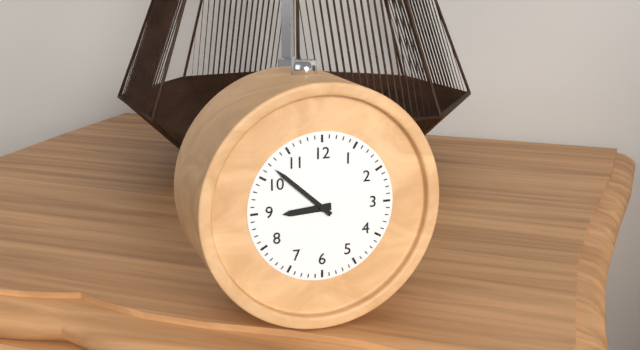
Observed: 8:52
